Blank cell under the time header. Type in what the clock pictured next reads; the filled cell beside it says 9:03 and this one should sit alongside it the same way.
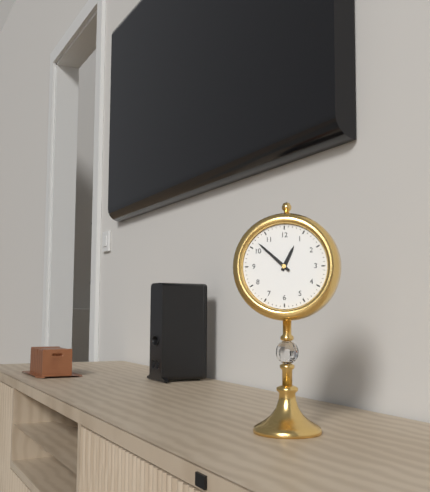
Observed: 12:52
